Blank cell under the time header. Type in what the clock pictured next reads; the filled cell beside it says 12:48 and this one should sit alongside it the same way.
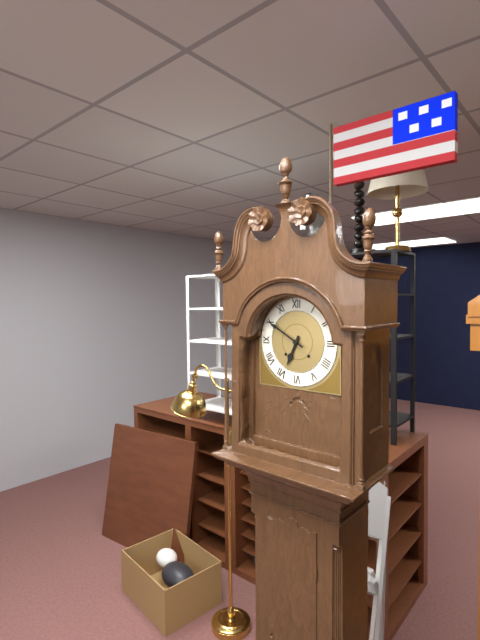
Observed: 6:50
